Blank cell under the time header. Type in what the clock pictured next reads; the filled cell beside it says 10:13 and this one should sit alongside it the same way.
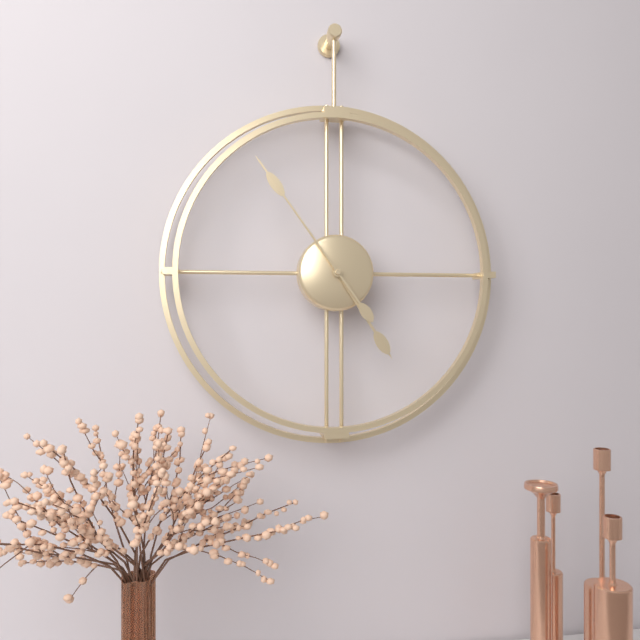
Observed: 4:54
